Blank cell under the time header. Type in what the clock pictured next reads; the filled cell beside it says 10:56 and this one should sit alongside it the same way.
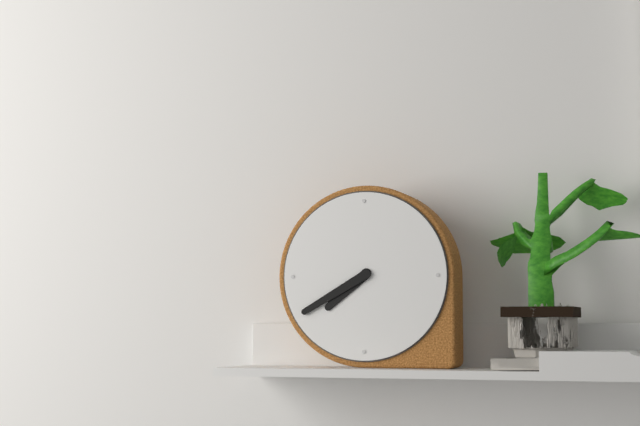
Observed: 7:40
